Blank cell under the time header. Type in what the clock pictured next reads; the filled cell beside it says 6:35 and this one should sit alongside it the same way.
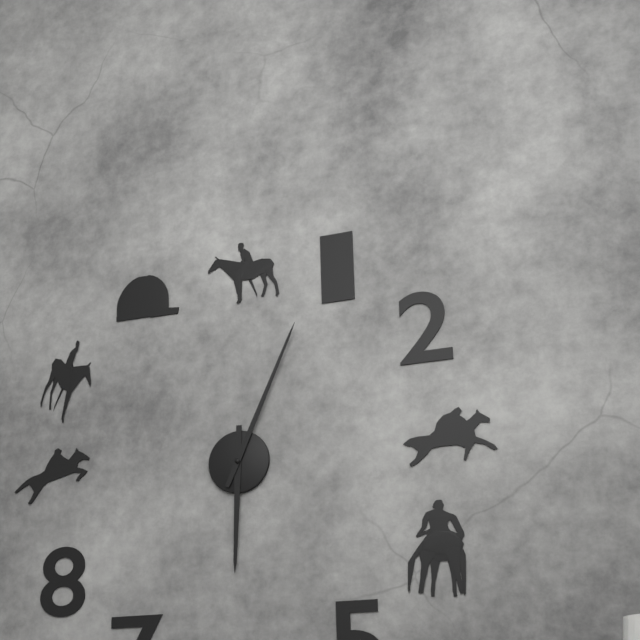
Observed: 6:04
